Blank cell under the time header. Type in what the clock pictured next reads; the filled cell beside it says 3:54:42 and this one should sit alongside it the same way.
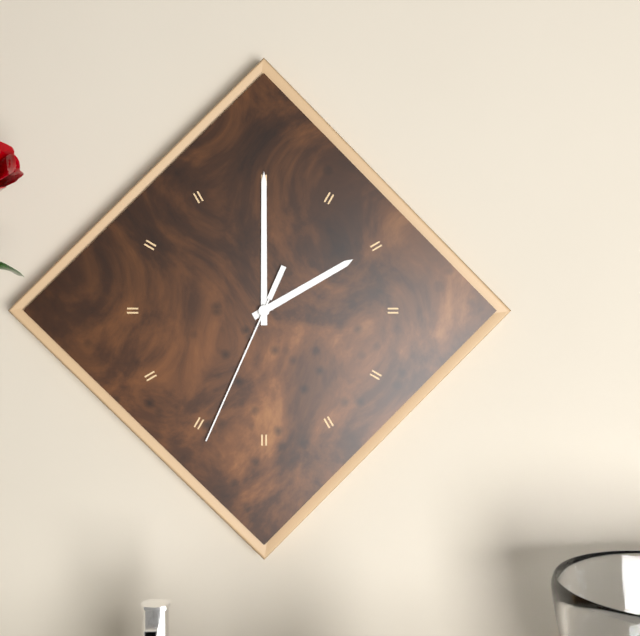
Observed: 2:00:34
